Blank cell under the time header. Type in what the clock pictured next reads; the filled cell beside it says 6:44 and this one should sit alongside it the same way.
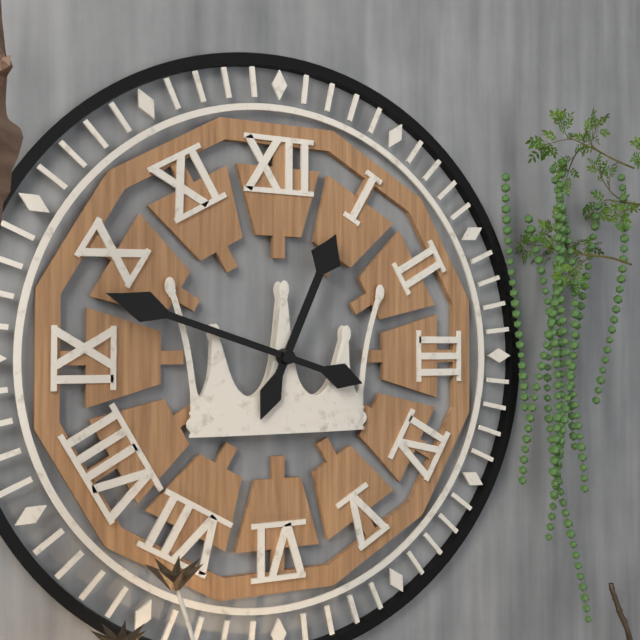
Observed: 12:48
